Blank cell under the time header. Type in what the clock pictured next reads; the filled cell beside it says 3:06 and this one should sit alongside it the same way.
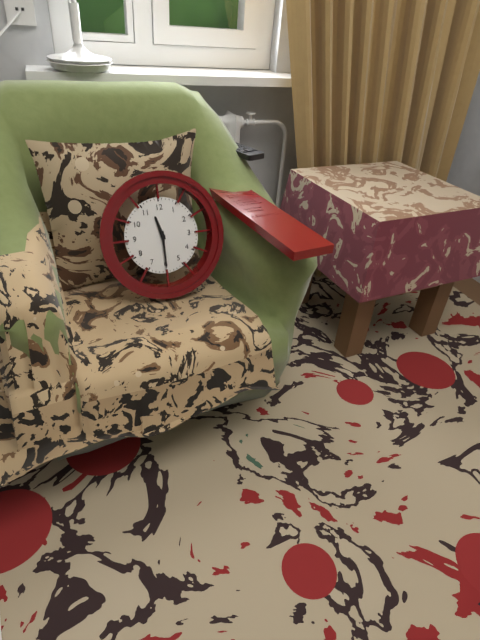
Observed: 11:30
